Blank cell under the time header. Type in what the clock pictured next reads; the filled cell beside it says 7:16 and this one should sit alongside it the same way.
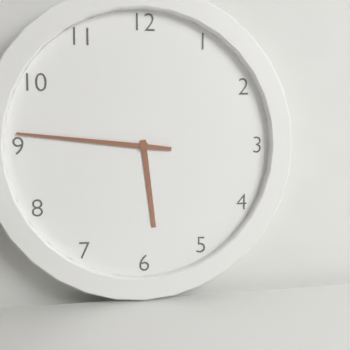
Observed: 5:46
